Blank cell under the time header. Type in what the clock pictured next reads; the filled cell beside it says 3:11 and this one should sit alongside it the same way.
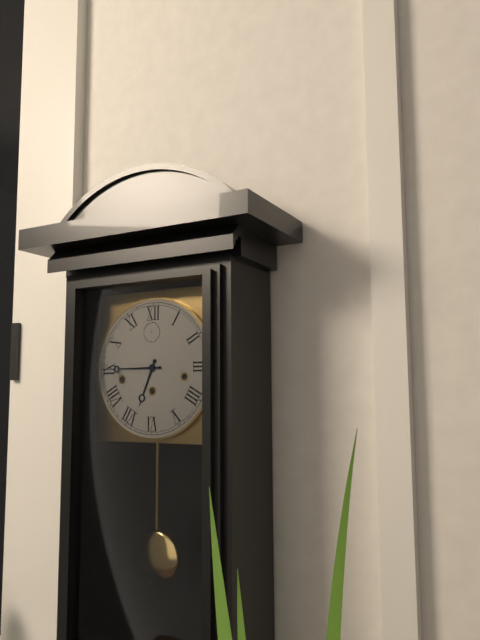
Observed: 6:45
